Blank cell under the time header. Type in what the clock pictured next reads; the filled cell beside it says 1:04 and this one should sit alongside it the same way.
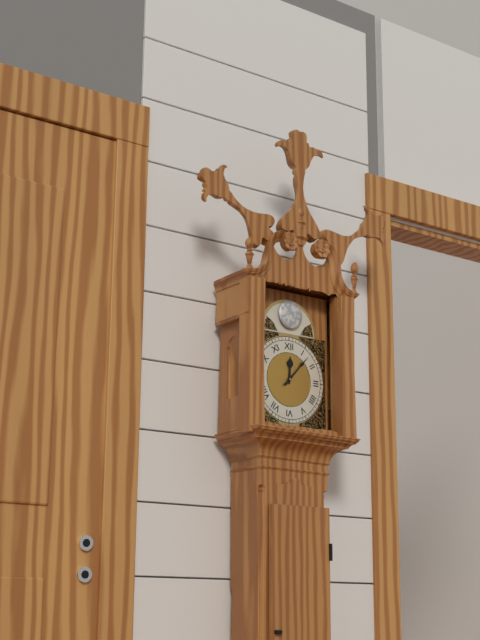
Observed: 12:07
